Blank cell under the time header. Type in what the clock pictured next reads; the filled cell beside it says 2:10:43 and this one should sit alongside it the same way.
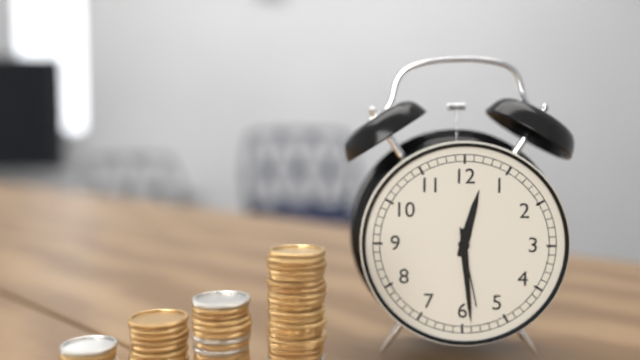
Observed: 12:29:28
